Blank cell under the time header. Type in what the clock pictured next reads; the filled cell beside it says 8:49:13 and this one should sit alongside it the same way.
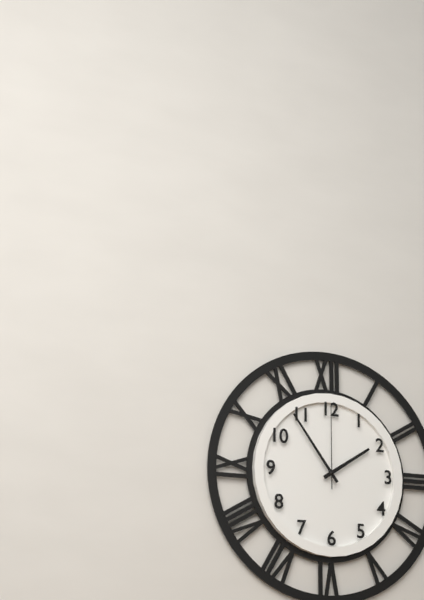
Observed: 1:54:00
